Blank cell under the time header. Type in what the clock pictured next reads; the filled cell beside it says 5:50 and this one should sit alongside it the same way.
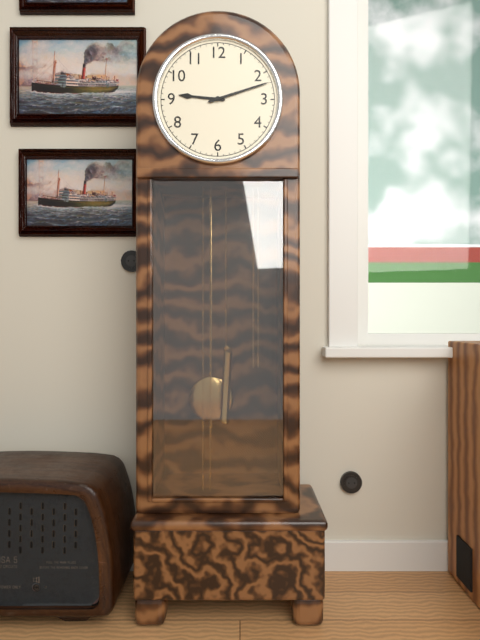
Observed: 9:12
